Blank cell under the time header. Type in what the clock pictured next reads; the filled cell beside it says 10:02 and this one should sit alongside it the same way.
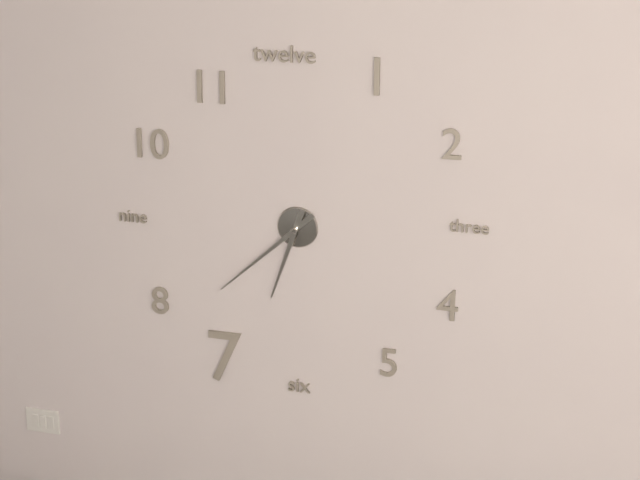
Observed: 6:38
